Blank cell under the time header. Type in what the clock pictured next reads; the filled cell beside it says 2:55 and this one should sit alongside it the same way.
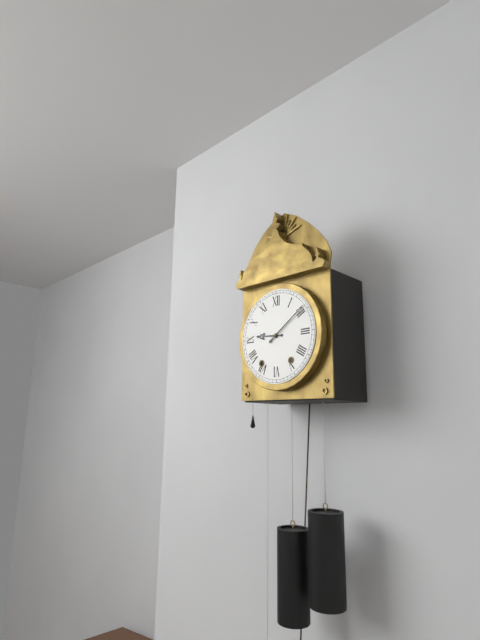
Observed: 9:09
